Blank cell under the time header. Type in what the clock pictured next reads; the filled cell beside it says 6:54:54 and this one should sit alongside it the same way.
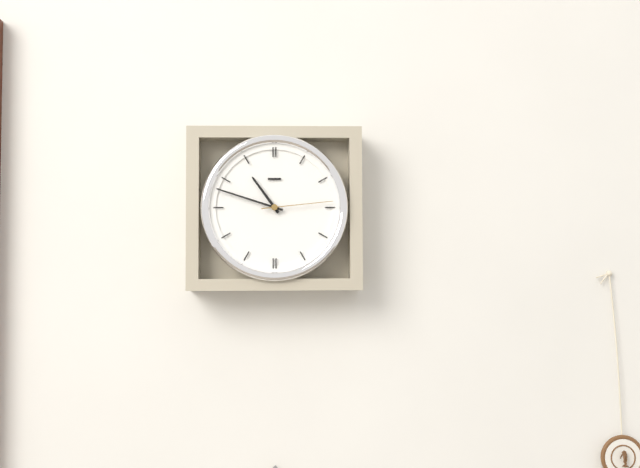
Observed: 10:48:14
